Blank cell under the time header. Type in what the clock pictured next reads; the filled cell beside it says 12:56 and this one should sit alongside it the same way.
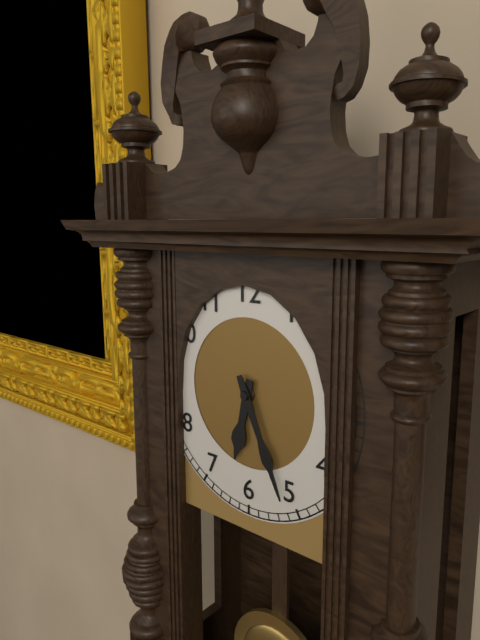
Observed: 6:26
